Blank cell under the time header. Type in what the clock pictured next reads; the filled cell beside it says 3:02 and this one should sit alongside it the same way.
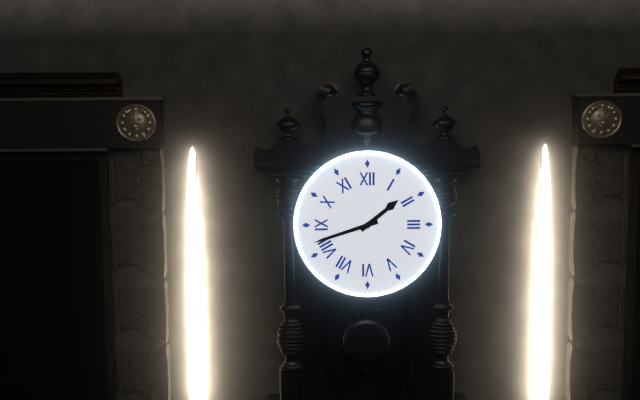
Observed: 1:42
